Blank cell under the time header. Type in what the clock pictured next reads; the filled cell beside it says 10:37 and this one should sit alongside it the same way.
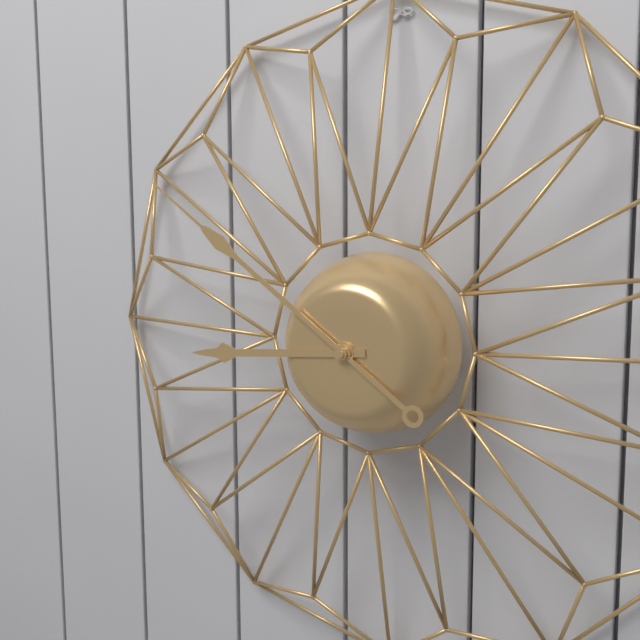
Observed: 8:51
